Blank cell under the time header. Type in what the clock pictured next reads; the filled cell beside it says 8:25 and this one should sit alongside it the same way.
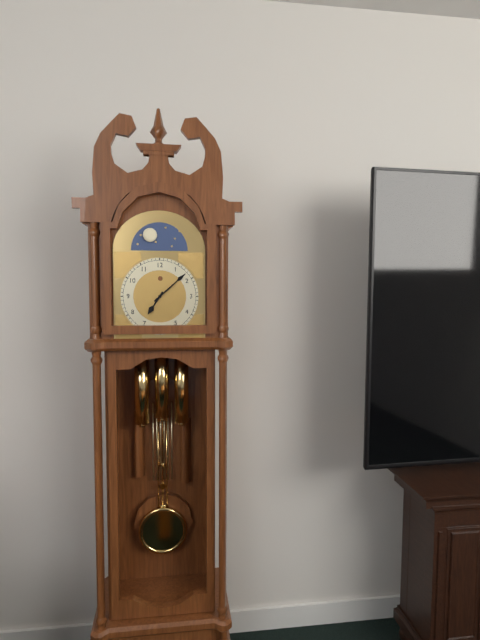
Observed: 7:08
